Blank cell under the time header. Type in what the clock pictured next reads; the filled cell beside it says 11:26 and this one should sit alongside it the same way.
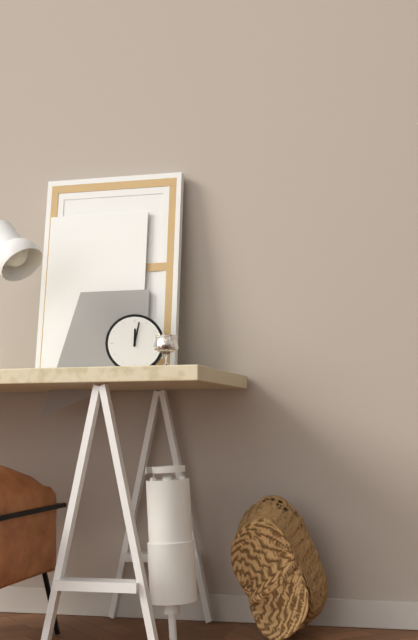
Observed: 12:02
